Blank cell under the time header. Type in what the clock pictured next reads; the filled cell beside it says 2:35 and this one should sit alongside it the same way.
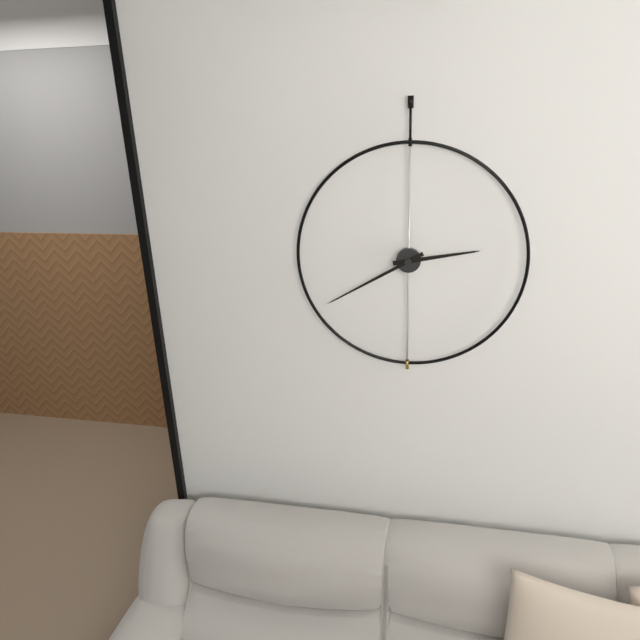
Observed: 2:40
